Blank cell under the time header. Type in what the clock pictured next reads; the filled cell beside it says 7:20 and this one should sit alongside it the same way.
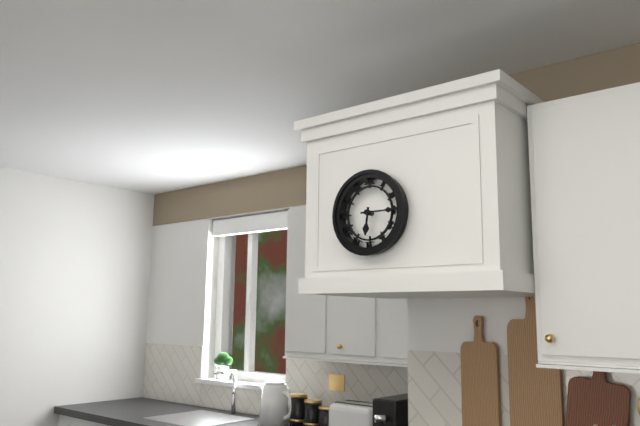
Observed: 6:15
